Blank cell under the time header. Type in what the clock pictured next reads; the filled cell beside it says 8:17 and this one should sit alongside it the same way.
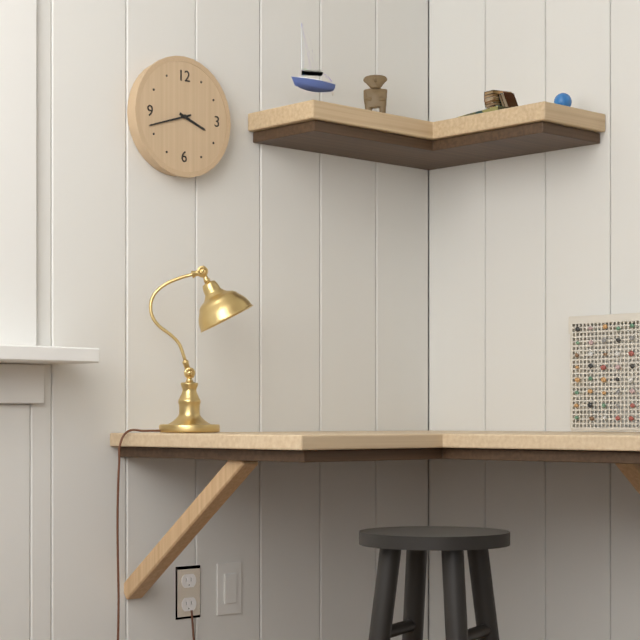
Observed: 3:42
